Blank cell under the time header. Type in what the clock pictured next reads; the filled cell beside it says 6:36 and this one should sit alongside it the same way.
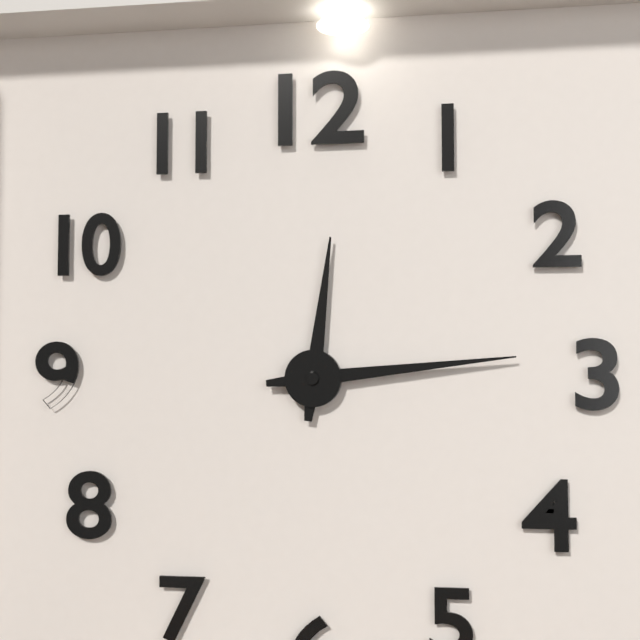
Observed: 12:14
